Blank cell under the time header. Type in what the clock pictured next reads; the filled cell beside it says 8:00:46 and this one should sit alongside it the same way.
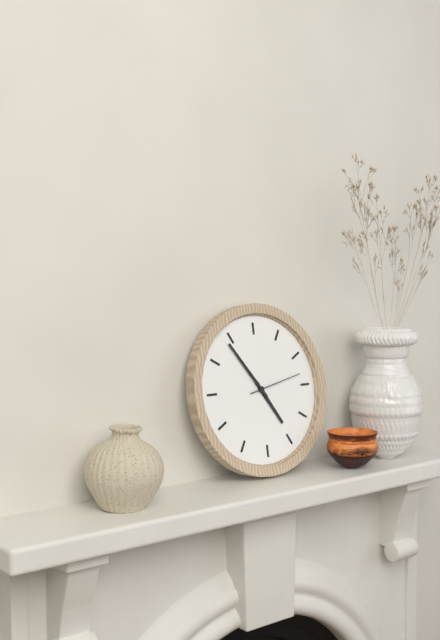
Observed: 4:54:13
